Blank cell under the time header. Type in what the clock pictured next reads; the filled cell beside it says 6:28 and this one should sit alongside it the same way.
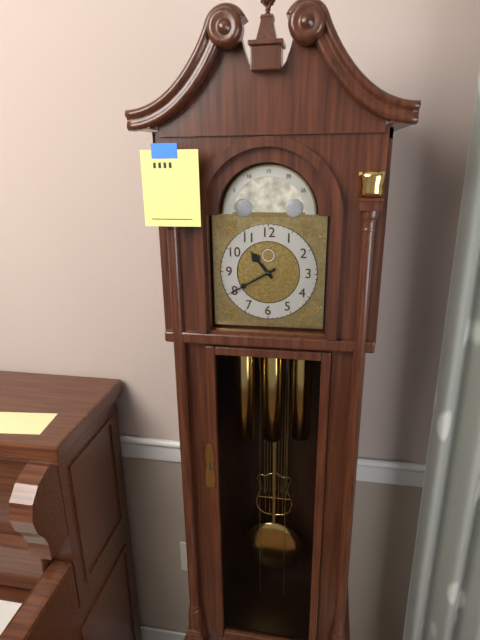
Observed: 10:40
